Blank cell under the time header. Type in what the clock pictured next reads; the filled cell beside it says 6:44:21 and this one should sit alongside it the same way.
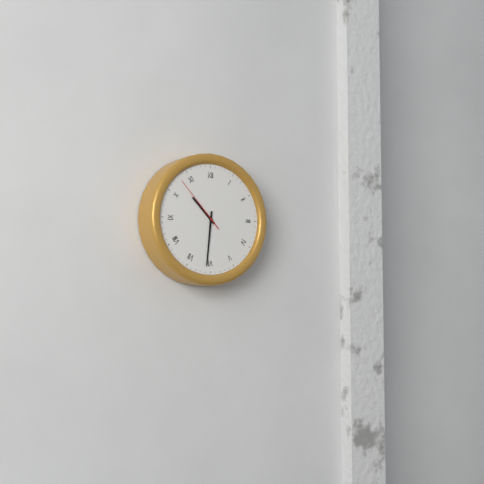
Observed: 10:31:53
